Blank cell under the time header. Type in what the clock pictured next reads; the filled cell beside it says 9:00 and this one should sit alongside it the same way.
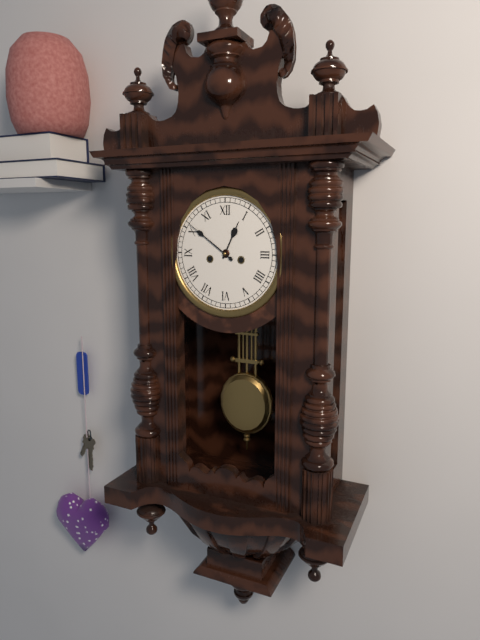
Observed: 12:51
